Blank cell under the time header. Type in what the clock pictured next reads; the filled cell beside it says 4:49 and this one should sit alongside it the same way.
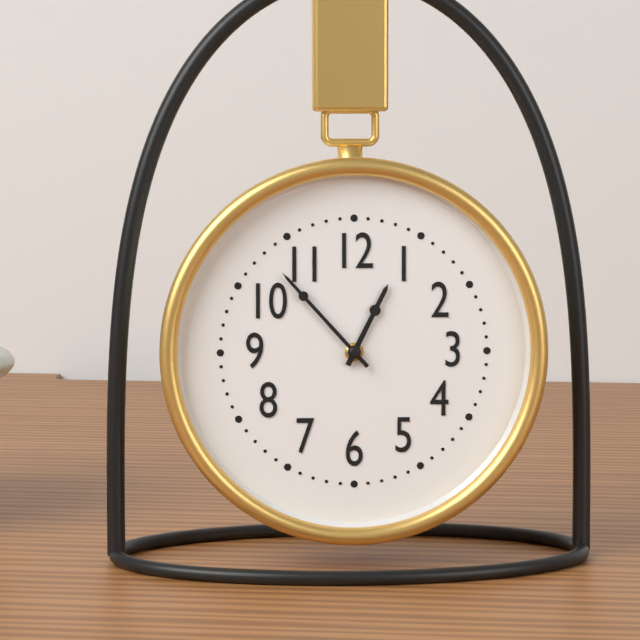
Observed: 12:53
